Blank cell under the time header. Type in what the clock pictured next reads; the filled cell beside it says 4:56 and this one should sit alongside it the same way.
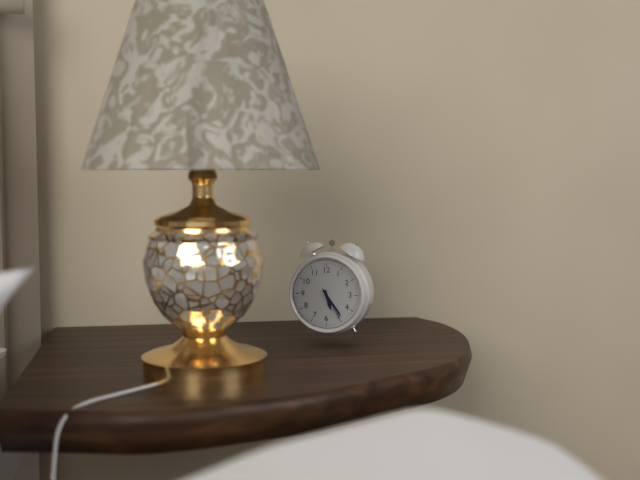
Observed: 5:24
